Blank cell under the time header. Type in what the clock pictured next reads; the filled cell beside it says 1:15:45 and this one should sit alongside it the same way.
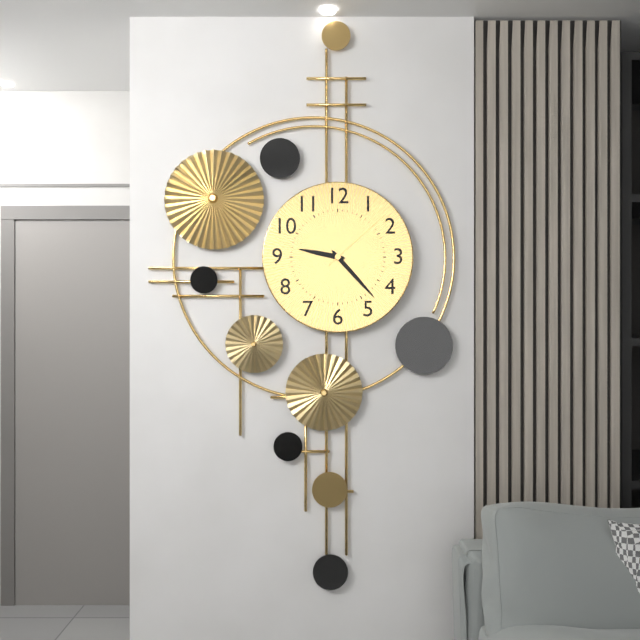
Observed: 9:23:08
